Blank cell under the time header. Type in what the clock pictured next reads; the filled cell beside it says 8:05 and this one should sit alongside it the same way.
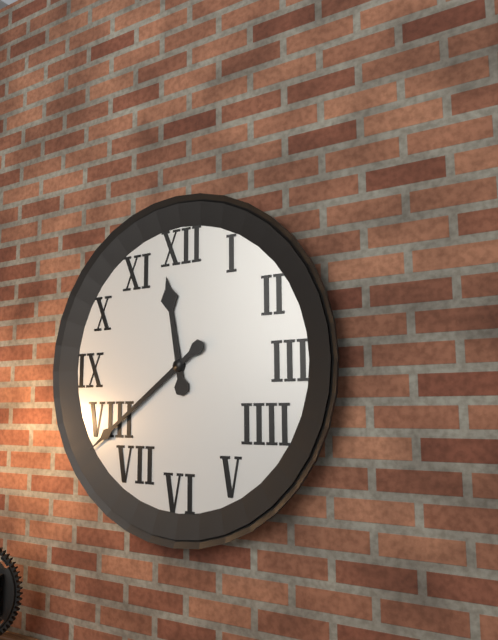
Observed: 11:39
